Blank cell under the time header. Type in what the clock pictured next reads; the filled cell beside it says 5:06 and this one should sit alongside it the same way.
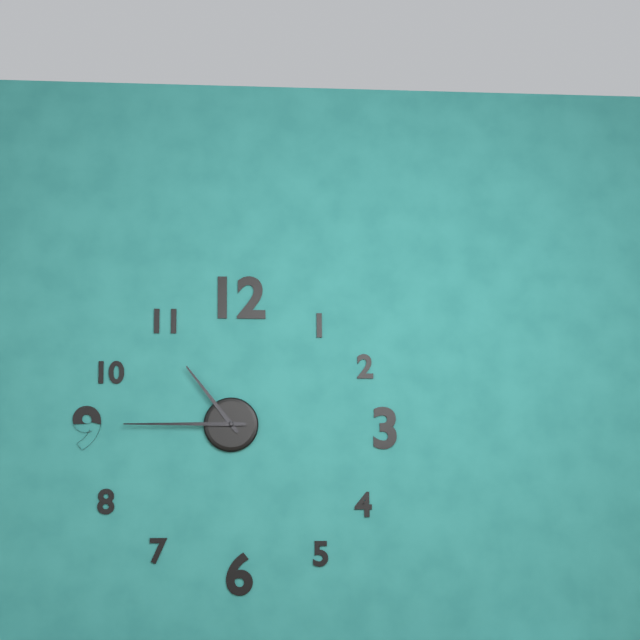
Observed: 10:45
